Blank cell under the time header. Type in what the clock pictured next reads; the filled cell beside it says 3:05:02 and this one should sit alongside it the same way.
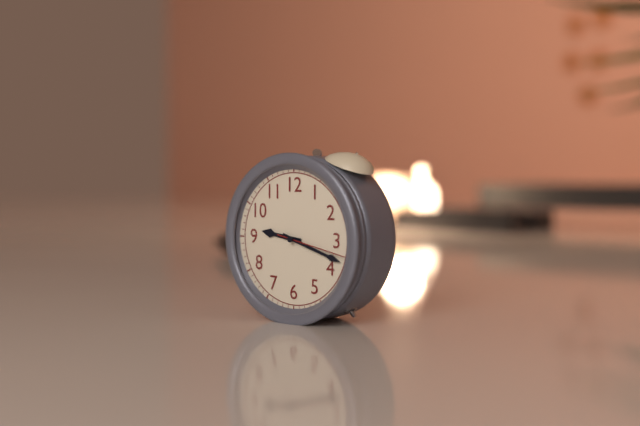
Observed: 9:18:17
